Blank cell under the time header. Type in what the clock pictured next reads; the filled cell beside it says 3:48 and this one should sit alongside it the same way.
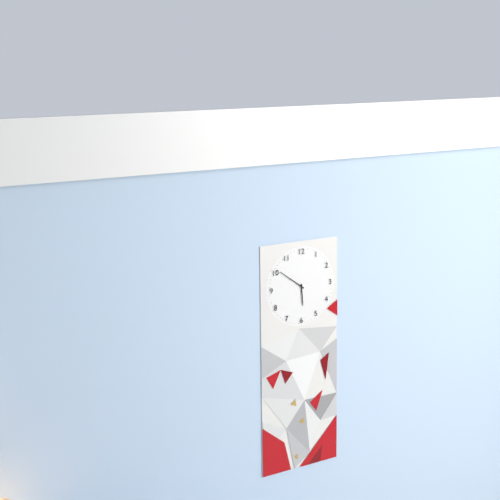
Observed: 5:51
